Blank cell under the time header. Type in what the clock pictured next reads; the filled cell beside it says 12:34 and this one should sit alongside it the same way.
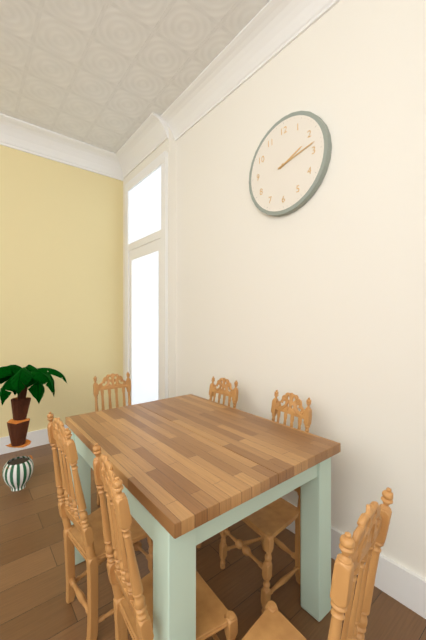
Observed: 2:13
